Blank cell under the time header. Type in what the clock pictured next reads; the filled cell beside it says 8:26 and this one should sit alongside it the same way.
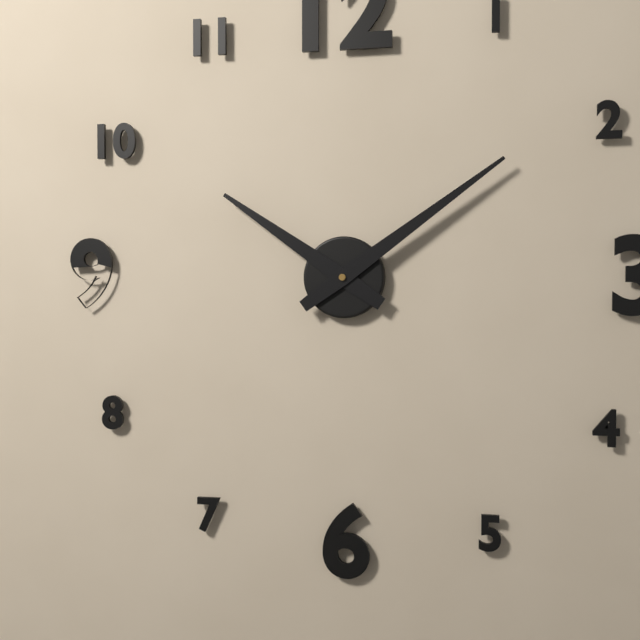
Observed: 10:09
